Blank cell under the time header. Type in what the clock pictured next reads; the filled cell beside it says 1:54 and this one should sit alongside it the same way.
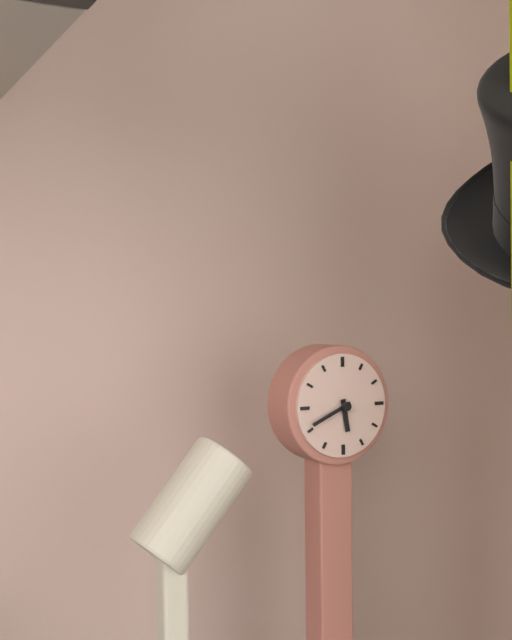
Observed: 5:41
